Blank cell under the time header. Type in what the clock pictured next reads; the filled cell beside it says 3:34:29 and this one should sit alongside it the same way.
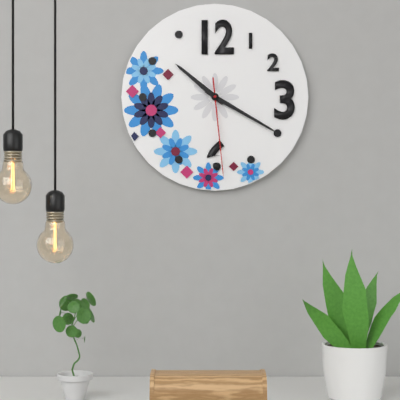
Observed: 10:20:29
